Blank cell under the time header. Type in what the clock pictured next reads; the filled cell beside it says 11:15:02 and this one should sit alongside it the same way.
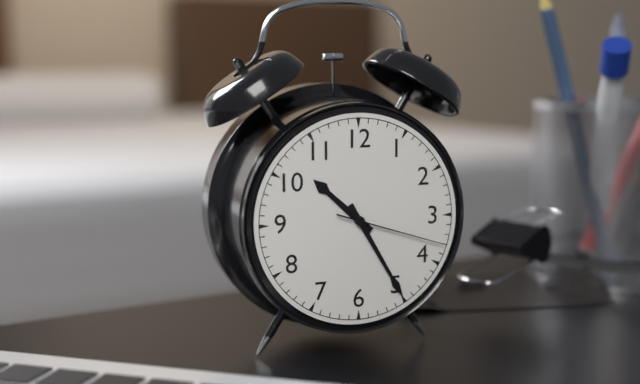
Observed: 10:25:18
